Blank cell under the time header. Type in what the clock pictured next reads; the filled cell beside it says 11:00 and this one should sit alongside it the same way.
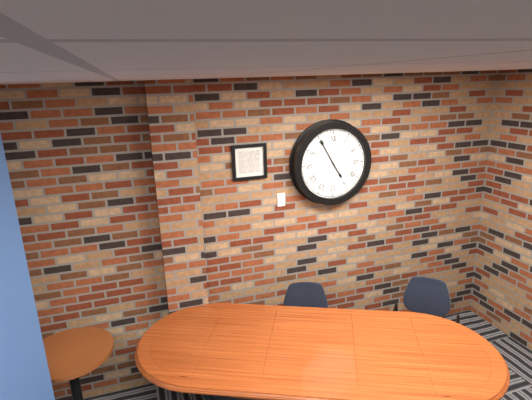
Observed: 4:55
